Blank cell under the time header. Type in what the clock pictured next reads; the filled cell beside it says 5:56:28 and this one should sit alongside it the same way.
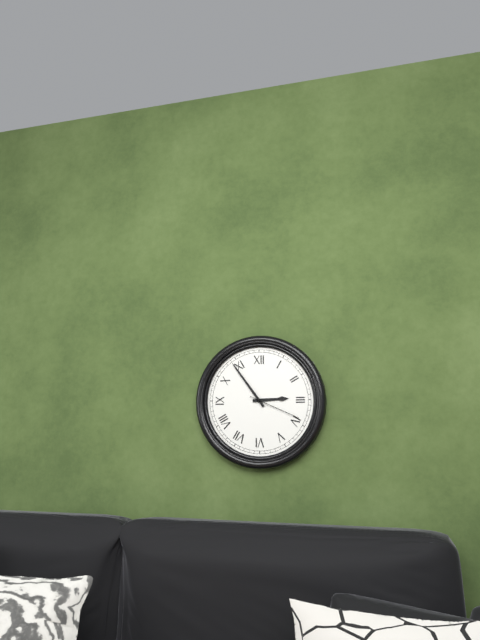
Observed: 2:54:19
